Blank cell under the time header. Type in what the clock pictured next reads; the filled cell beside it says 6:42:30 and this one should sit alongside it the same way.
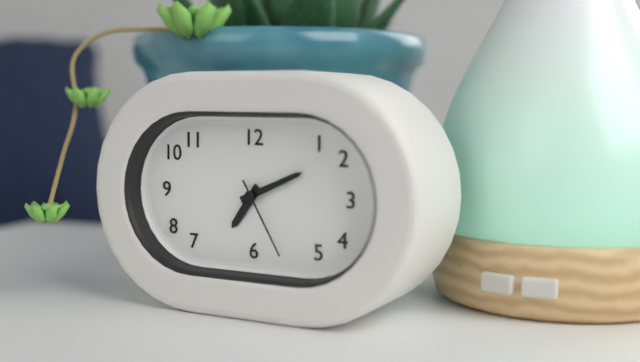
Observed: 7:11:25
